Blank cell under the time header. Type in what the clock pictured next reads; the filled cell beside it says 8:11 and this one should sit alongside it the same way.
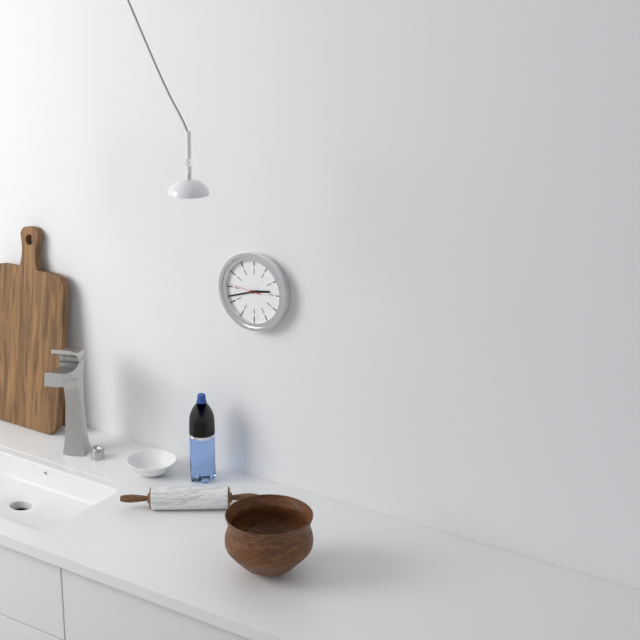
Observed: 2:42
